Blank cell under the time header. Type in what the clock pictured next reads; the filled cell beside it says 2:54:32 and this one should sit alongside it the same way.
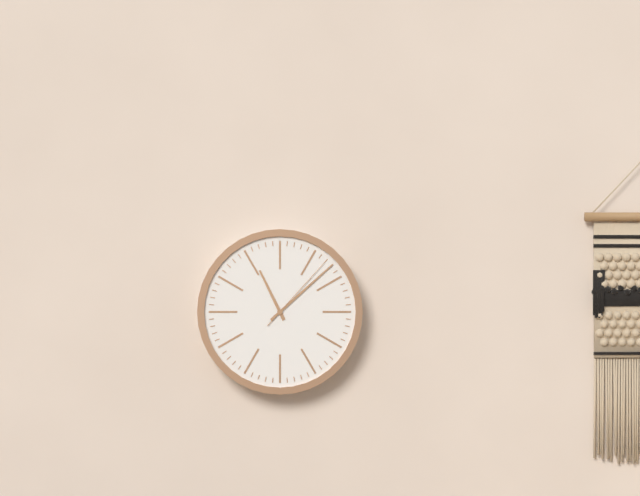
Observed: 11:08:07
